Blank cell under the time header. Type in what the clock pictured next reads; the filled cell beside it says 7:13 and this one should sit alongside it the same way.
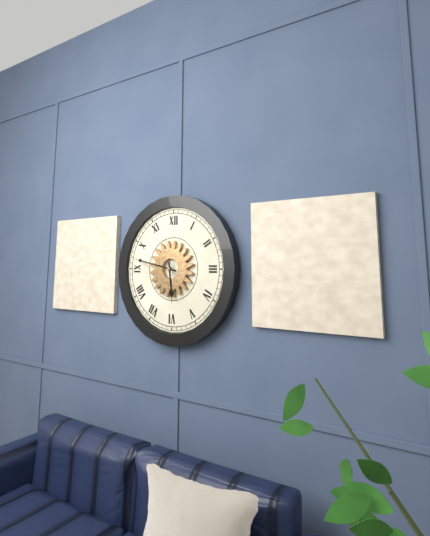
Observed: 5:47
